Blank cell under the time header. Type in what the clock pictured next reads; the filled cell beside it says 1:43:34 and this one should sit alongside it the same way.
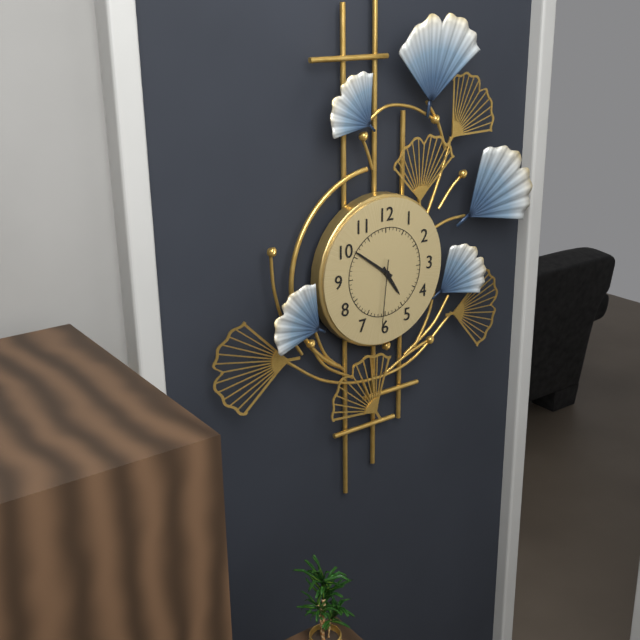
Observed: 4:51:31
